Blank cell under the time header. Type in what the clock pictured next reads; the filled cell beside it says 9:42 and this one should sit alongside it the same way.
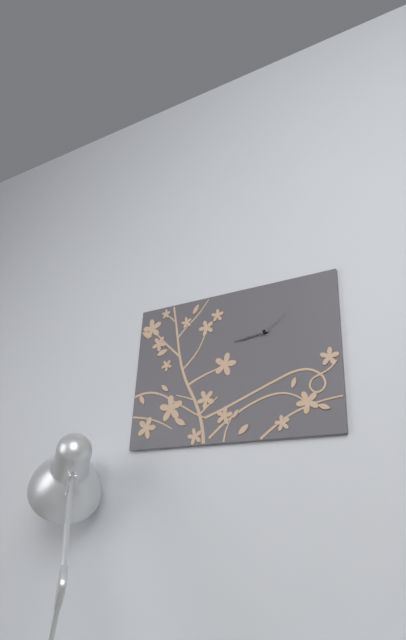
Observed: 8:44
